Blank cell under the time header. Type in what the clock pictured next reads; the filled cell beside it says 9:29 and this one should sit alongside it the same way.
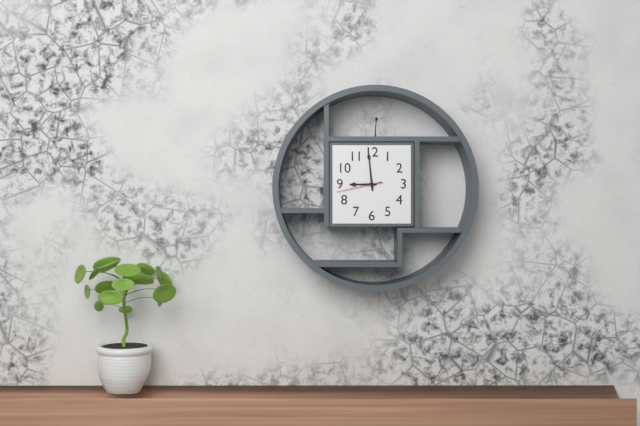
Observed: 8:59
